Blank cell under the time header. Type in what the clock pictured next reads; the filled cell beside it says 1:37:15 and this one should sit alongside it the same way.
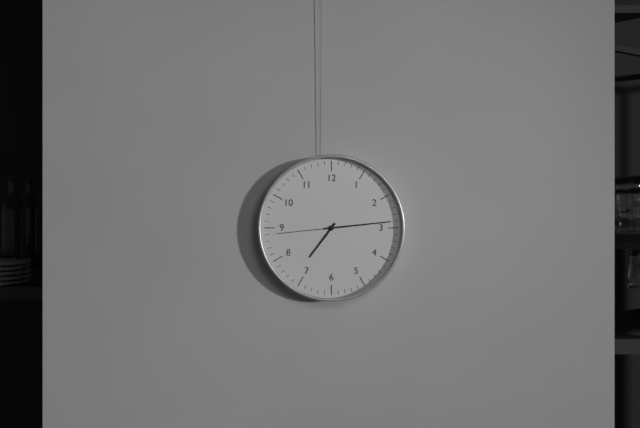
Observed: 7:14:44
